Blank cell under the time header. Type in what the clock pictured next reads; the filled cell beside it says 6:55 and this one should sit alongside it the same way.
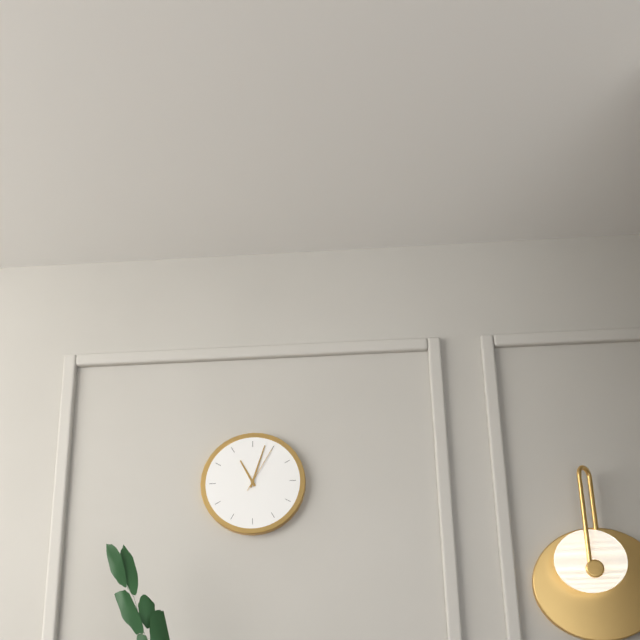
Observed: 11:03
